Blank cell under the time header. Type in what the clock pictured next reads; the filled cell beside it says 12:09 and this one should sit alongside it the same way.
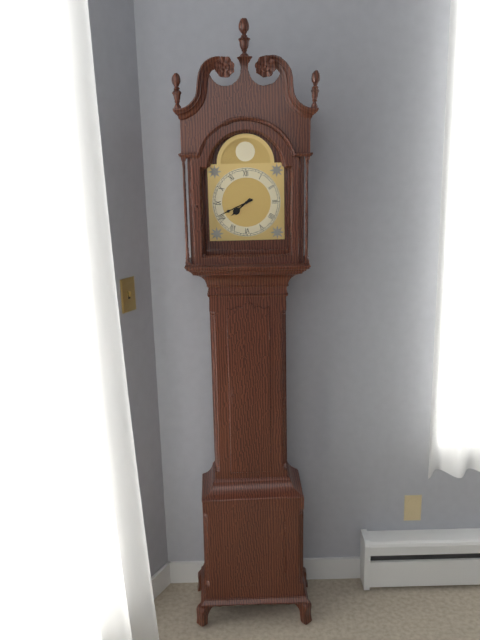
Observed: 7:41
